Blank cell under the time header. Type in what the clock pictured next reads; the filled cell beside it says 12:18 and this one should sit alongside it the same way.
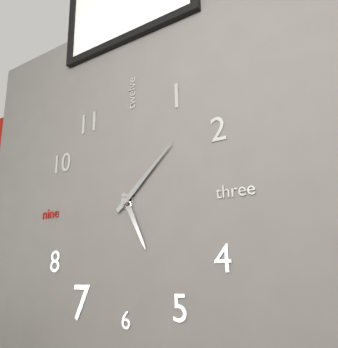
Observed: 5:08
